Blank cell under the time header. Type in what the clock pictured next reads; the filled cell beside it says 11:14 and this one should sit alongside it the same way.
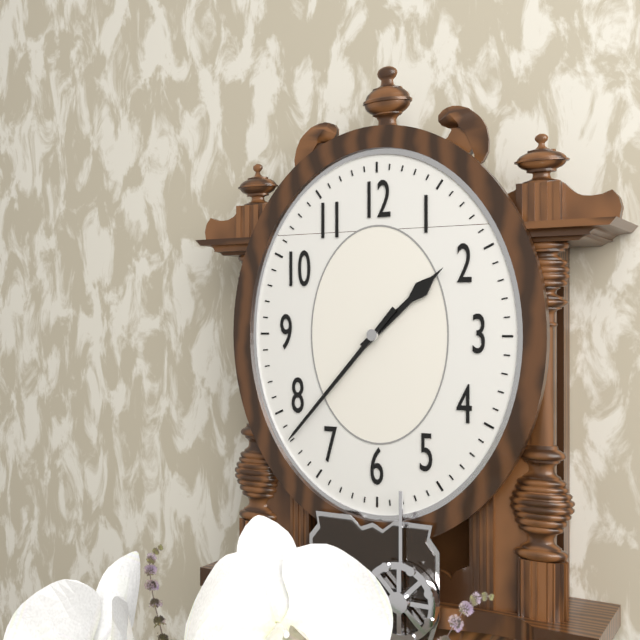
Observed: 1:37
